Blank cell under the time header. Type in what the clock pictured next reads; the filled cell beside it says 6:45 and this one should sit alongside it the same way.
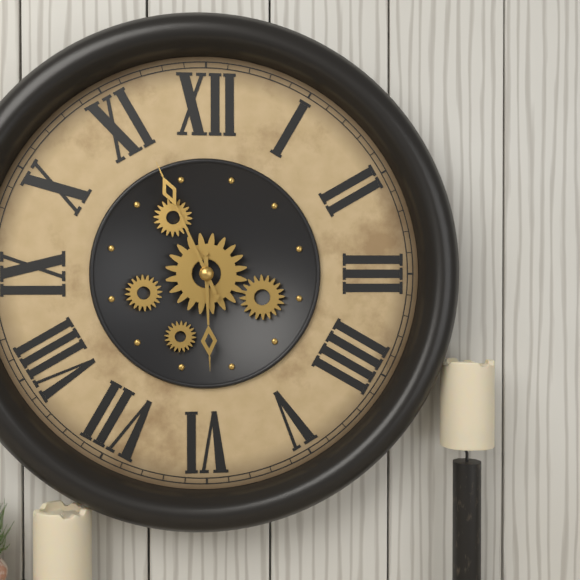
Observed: 5:56
